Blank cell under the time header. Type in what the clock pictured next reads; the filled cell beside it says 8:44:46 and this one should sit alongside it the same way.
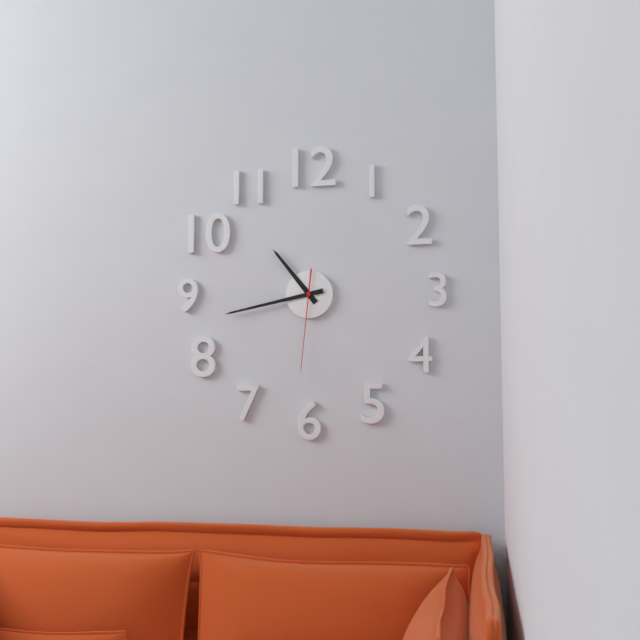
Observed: 10:43:31
